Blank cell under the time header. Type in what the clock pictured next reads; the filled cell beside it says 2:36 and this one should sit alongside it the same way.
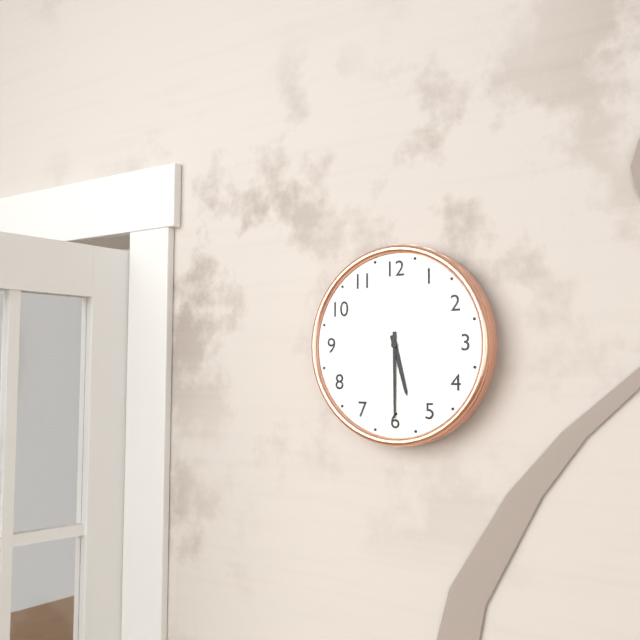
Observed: 5:30
